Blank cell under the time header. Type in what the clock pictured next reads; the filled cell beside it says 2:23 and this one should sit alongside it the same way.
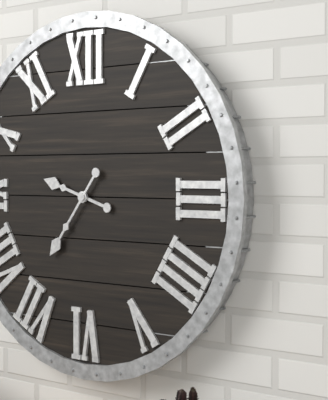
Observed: 9:36
